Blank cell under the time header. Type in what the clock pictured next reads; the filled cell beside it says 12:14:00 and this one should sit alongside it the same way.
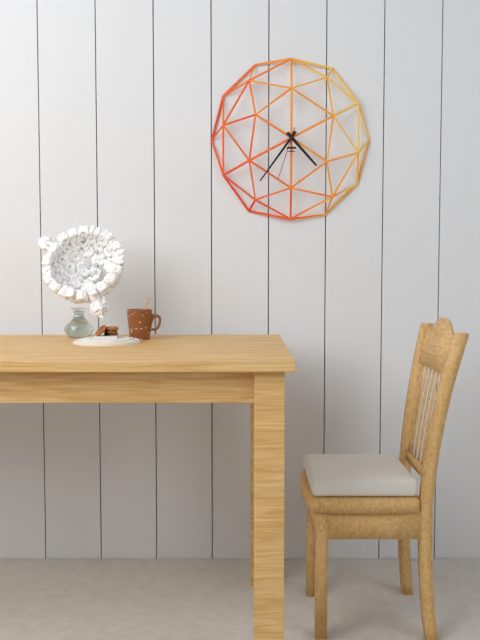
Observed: 4:36:33
